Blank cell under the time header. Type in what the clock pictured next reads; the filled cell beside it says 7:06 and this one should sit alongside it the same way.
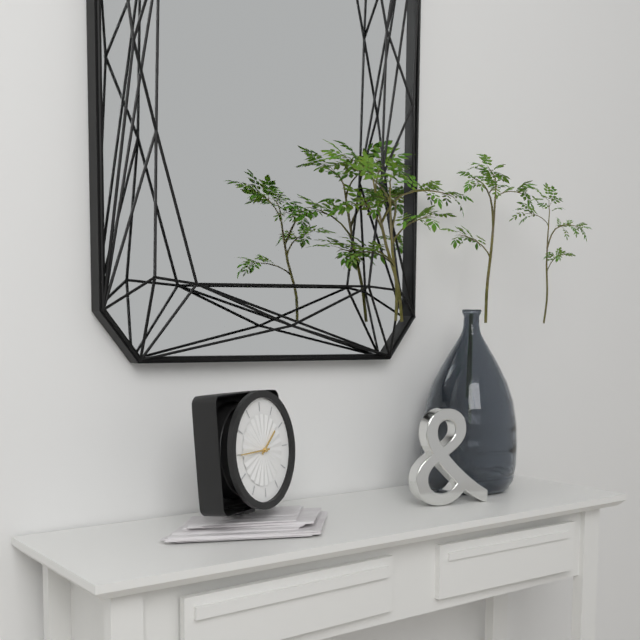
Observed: 1:45
